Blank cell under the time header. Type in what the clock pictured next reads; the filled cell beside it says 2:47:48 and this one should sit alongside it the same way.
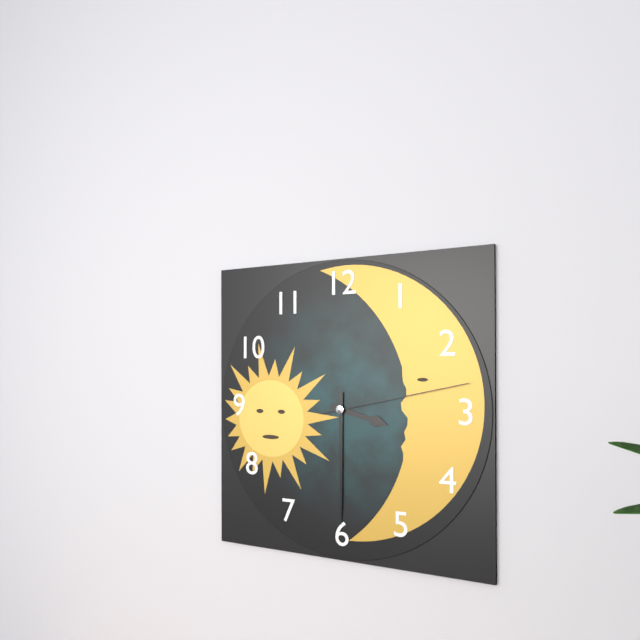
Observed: 3:30:13
